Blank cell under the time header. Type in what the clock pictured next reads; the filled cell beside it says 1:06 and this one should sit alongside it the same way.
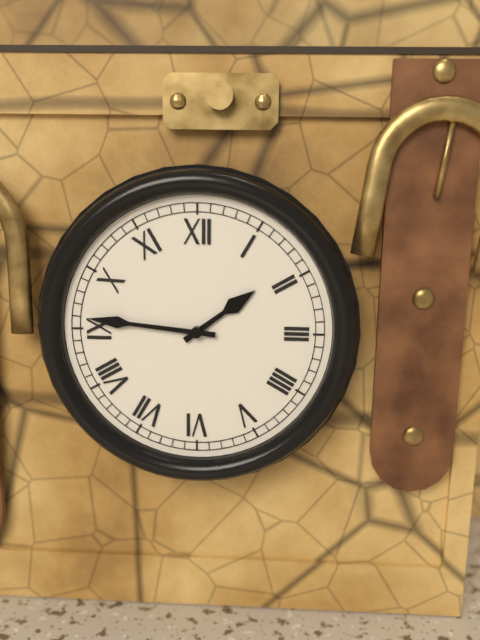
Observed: 1:46
